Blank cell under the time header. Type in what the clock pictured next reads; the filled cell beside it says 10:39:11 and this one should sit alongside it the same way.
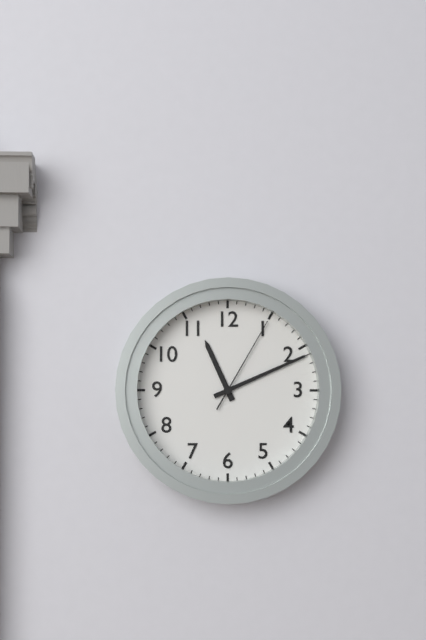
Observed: 11:11:05
